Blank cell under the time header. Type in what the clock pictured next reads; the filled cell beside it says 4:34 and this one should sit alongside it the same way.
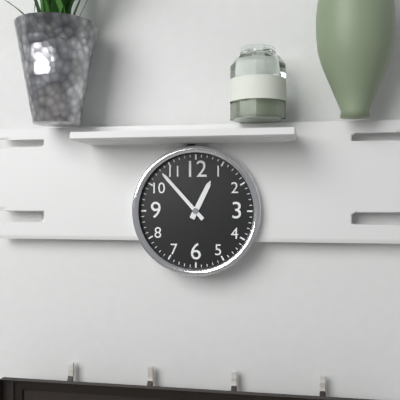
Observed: 12:53
